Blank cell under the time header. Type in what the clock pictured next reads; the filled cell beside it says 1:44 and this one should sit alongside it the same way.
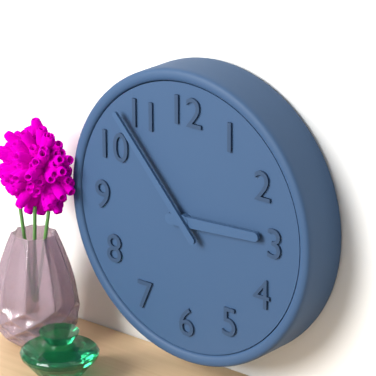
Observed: 2:53
